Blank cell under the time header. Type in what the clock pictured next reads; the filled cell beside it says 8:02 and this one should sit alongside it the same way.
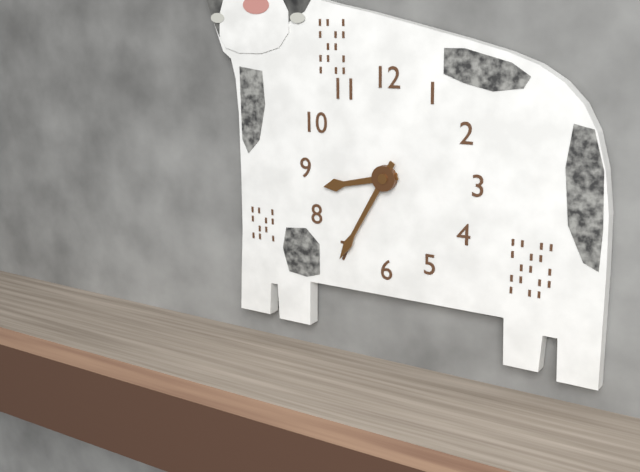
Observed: 8:35
